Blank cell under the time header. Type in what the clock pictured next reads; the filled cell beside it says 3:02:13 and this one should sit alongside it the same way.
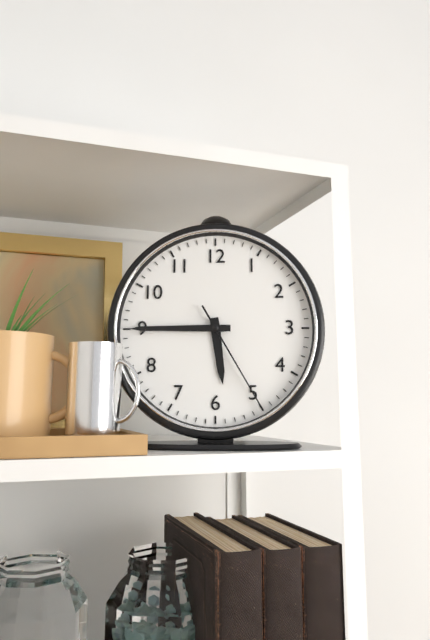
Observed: 5:45:25
